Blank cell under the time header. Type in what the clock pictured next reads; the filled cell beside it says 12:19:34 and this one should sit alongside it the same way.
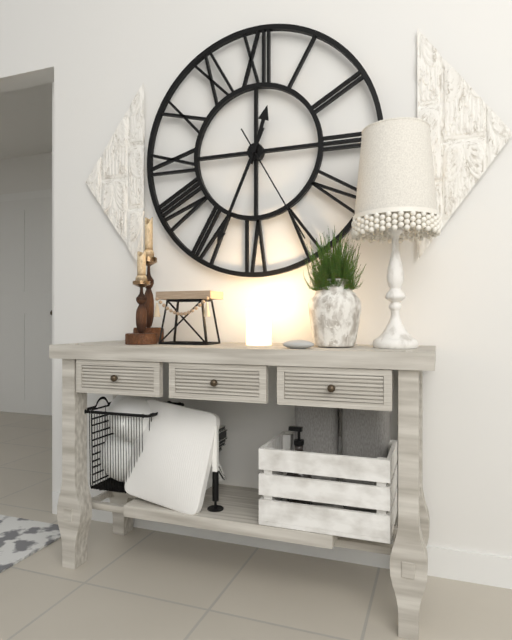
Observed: 12:34:25
